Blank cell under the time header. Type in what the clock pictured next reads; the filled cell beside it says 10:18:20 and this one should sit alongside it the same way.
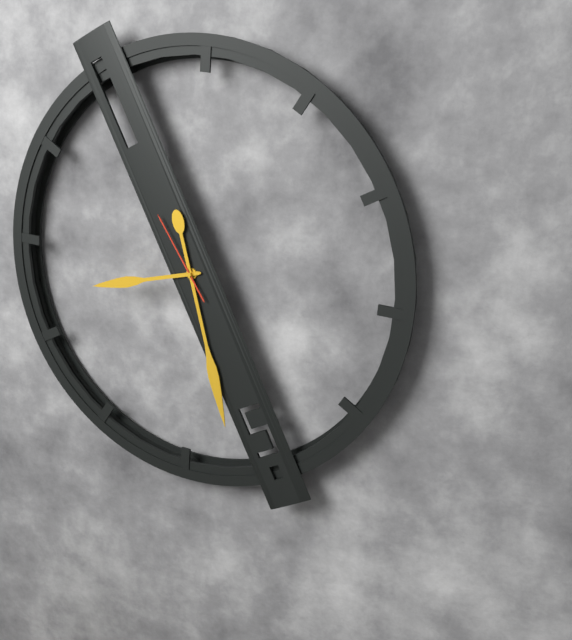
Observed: 8:27:54
